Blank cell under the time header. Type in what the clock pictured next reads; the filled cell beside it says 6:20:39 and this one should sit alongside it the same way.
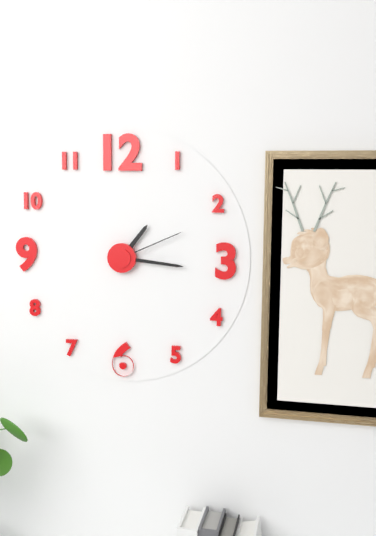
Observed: 1:16:11
